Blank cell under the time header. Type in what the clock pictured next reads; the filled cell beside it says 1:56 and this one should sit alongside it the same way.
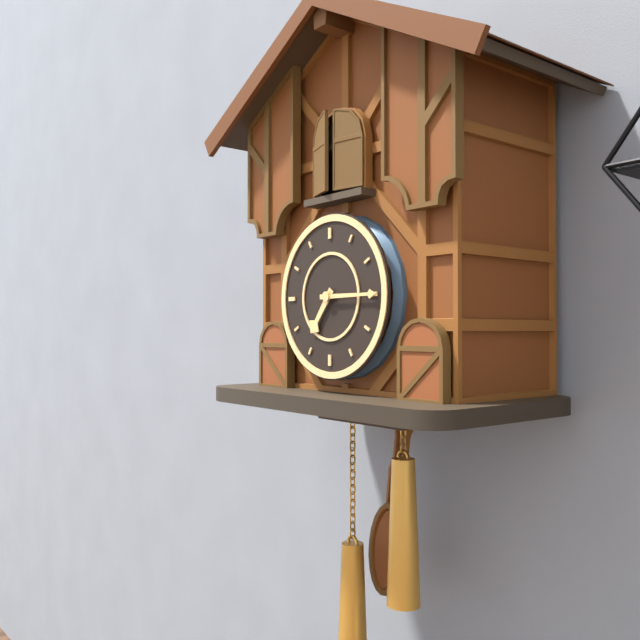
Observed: 7:15
